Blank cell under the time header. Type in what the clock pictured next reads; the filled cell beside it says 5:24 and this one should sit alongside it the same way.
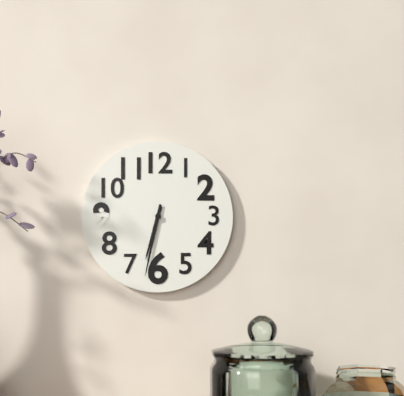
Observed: 6:32
